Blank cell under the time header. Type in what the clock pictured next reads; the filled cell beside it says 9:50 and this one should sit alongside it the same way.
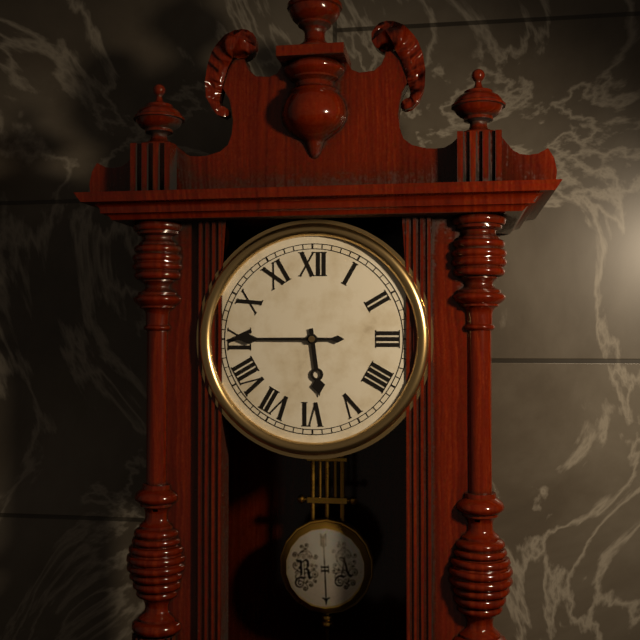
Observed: 5:45
